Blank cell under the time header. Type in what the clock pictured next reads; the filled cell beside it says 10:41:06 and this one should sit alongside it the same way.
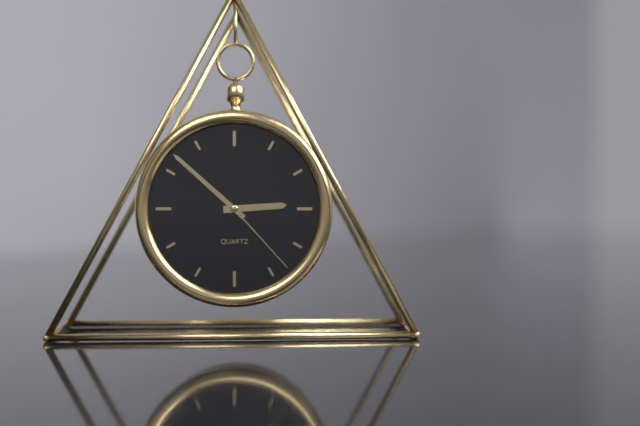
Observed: 2:52:23
